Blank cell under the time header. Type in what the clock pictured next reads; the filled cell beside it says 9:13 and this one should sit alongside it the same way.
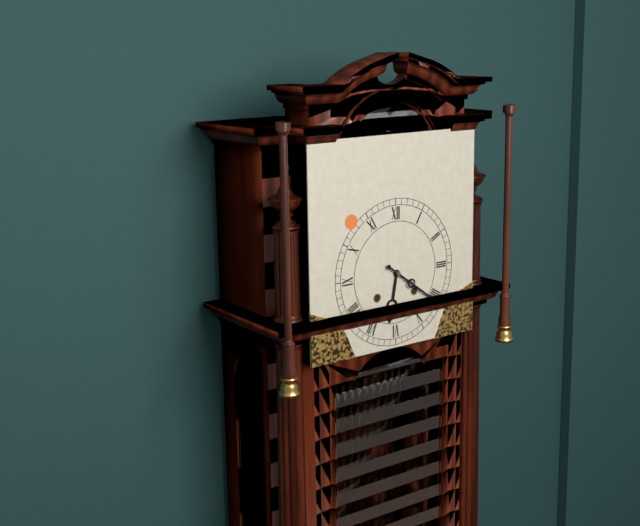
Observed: 6:21
